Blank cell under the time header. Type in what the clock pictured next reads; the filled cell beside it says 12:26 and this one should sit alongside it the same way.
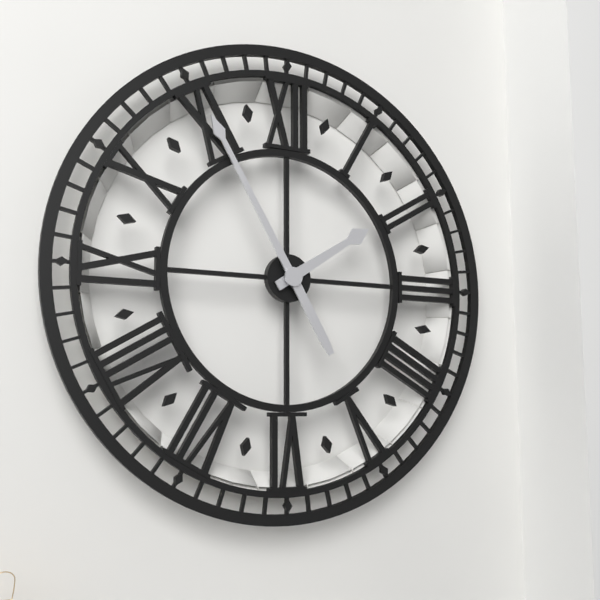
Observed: 1:55
